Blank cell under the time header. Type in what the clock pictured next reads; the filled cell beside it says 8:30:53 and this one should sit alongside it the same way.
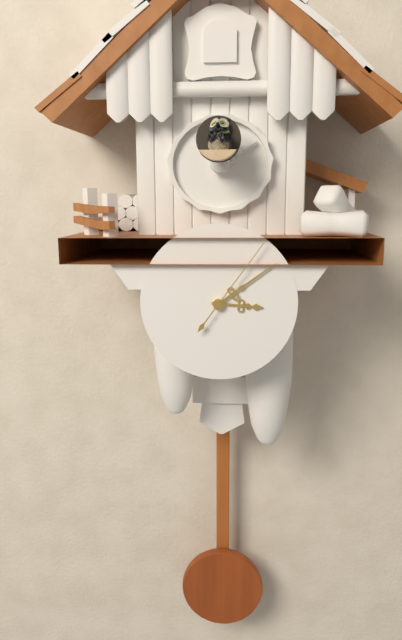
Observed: 3:09:06
